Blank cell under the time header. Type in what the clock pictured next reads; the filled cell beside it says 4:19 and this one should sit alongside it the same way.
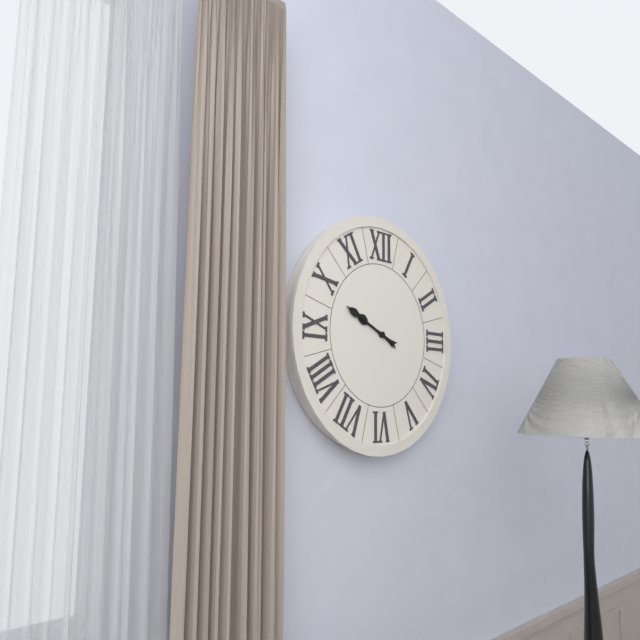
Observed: 9:49
